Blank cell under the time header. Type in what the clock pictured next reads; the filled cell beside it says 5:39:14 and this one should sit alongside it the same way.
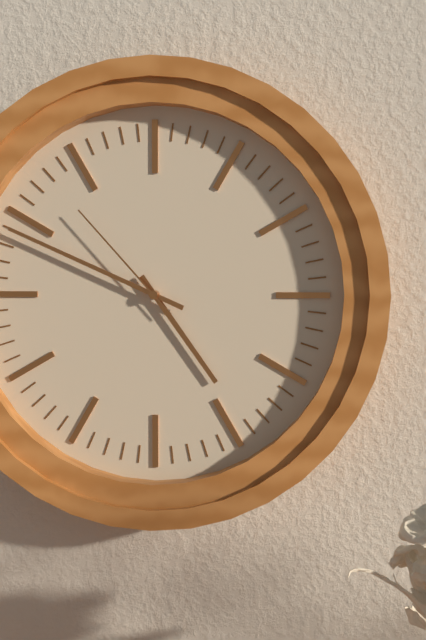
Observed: 4:49:53
